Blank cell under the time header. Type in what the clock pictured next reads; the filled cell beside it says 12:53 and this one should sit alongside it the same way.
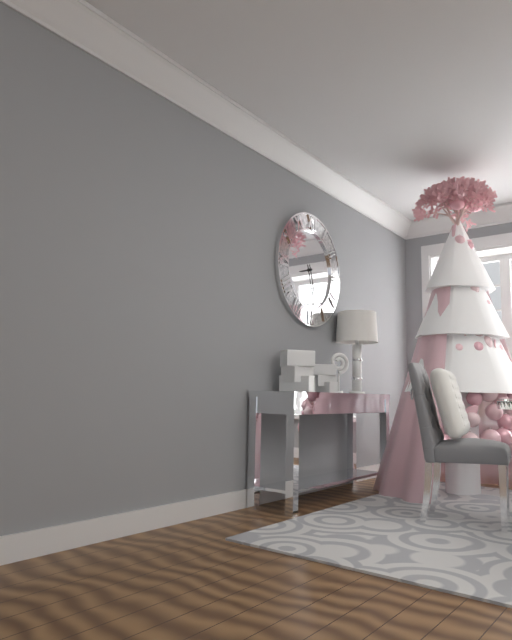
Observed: 8:27
